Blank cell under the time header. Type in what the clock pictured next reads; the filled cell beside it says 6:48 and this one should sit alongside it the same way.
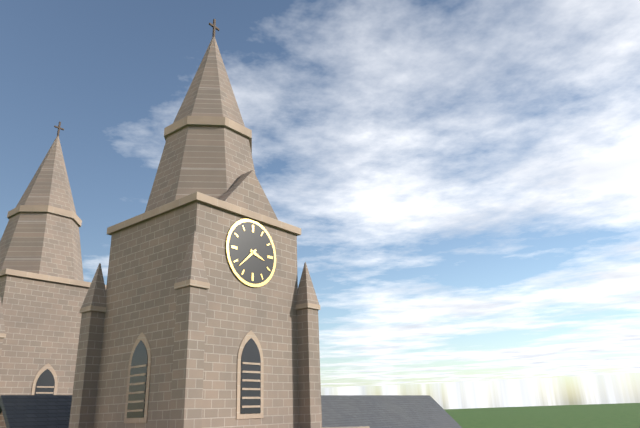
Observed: 3:38
